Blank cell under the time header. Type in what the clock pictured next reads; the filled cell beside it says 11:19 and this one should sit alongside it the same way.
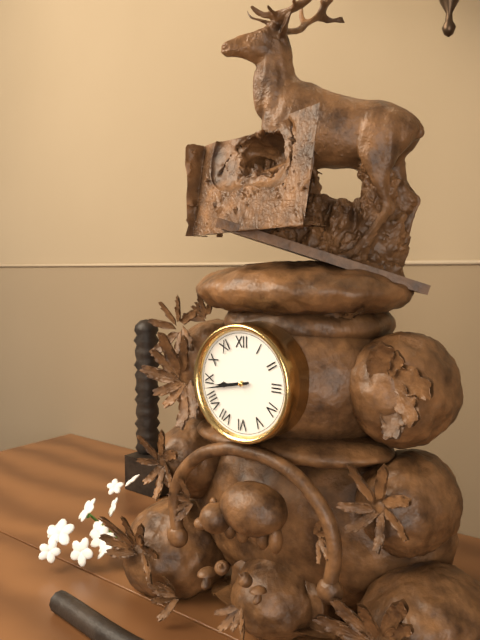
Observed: 8:43
